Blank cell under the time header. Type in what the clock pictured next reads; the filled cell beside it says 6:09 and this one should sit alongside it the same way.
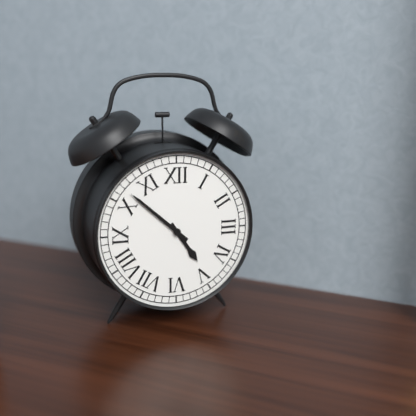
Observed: 4:52
